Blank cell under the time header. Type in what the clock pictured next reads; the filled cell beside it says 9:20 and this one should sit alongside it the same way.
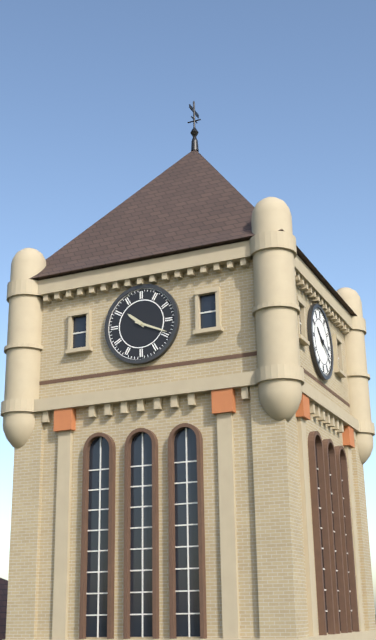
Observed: 10:19
